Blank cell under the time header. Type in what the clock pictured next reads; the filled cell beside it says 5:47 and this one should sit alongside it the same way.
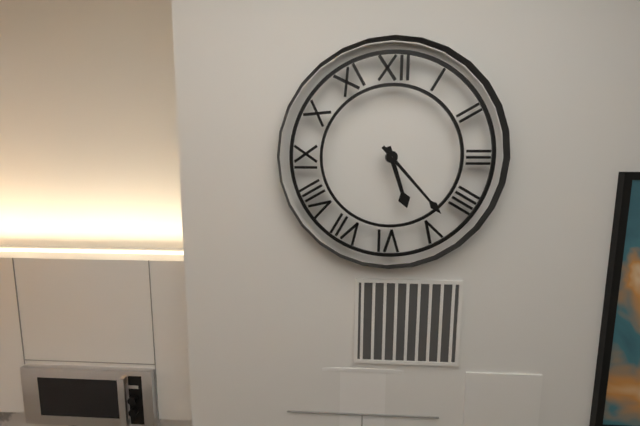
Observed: 5:23
